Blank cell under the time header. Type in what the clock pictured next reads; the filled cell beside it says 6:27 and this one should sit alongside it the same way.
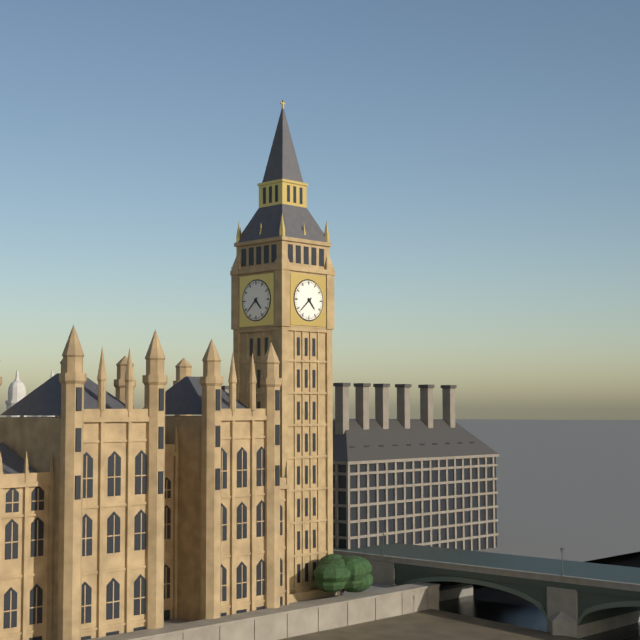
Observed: 4:38
